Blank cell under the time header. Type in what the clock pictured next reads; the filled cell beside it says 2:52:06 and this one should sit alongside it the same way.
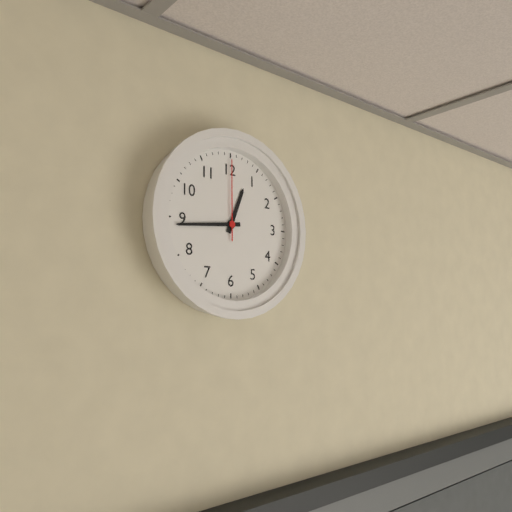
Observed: 12:44:00
